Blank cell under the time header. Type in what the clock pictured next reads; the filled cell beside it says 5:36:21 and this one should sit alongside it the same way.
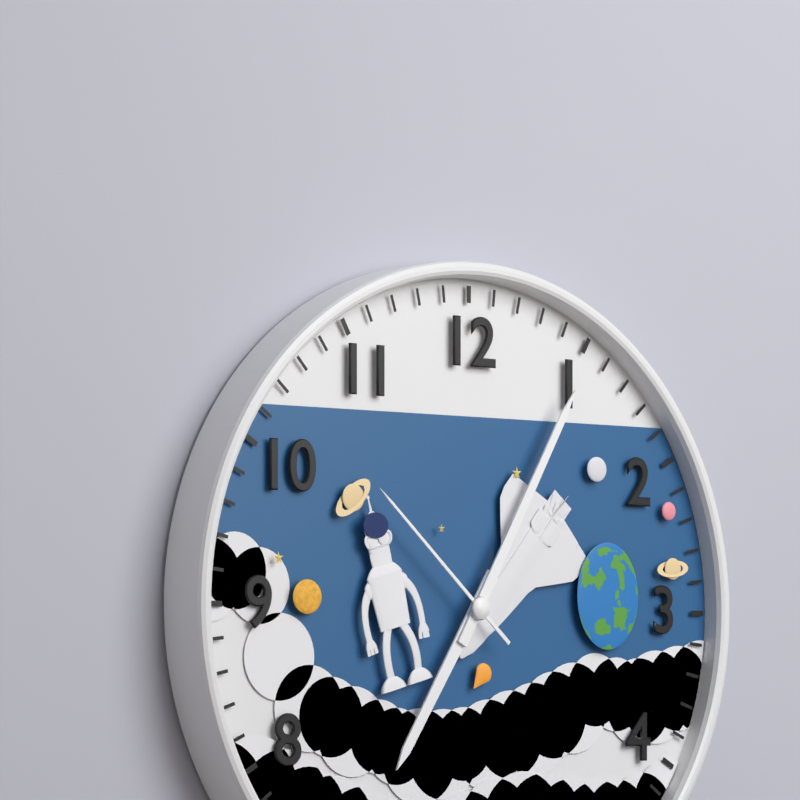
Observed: 7:05:52
